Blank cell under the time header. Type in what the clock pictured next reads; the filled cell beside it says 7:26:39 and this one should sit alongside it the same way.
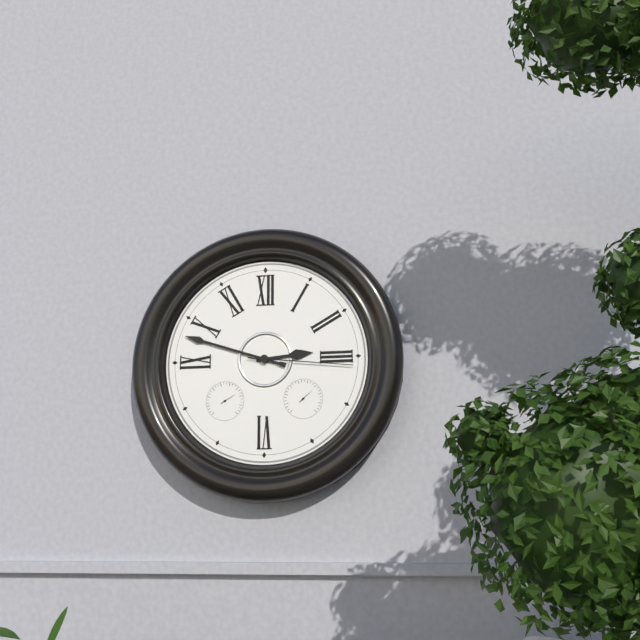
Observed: 2:48:16
